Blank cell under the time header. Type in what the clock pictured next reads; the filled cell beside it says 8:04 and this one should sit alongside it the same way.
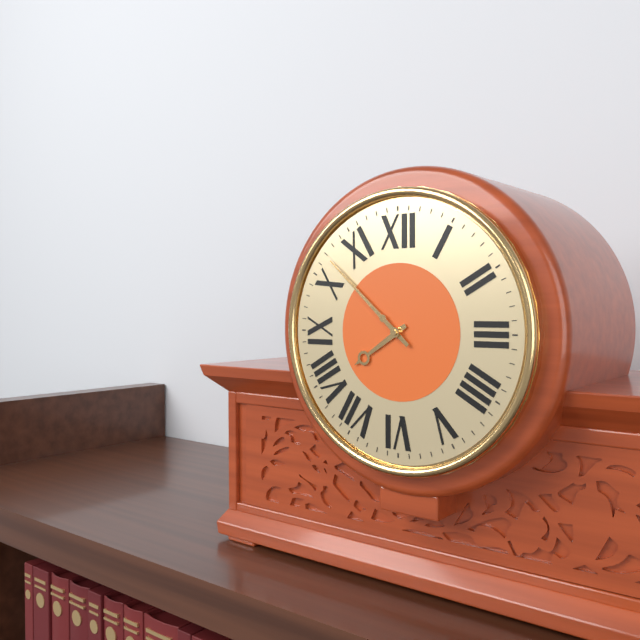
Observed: 7:52
